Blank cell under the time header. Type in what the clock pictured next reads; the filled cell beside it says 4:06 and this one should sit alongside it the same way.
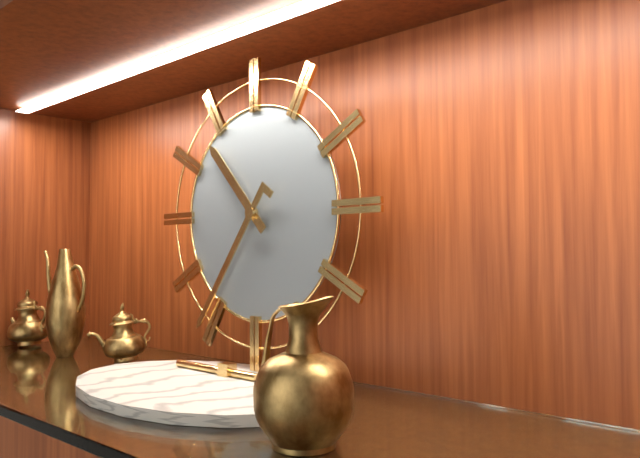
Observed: 10:36
